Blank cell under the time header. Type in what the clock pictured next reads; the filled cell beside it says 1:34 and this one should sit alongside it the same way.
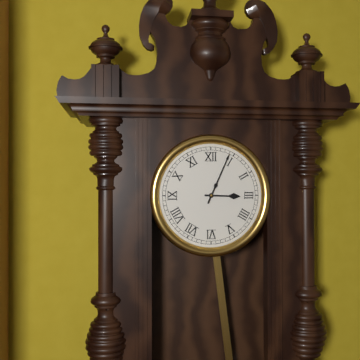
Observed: 3:04
